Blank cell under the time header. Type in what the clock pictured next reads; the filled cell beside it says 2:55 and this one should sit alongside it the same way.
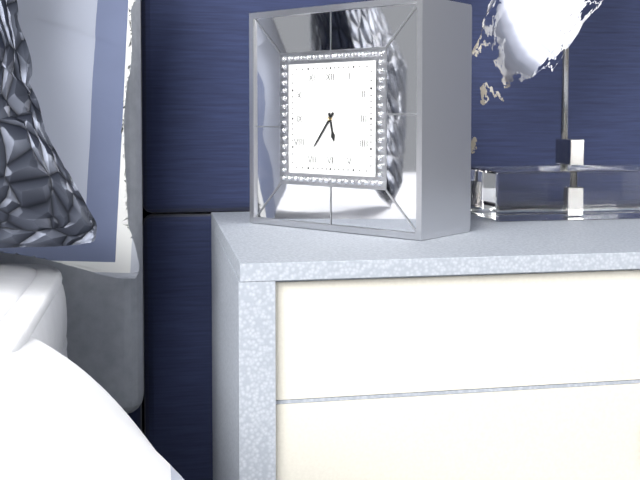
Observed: 5:36
